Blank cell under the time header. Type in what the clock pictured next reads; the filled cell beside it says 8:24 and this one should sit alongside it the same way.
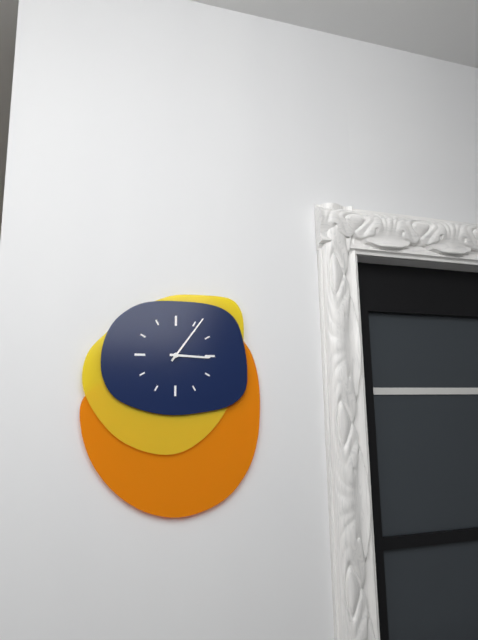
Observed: 3:06
